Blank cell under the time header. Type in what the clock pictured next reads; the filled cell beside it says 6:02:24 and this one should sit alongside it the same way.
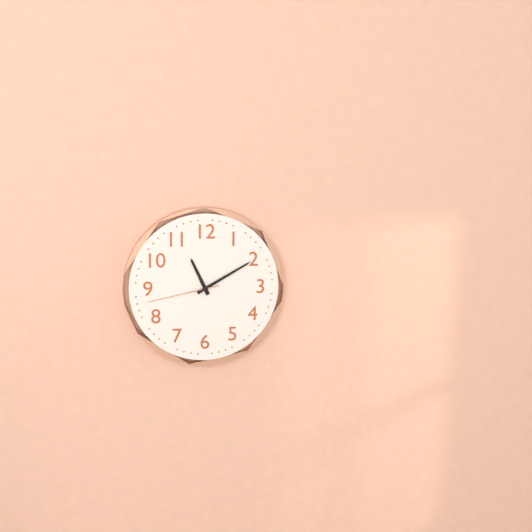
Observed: 11:10:43
